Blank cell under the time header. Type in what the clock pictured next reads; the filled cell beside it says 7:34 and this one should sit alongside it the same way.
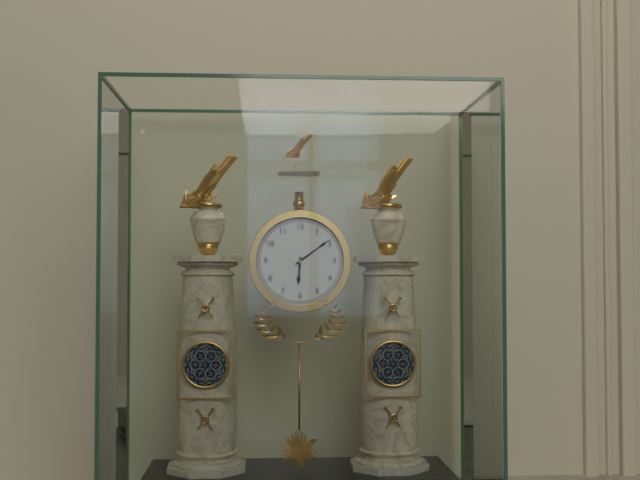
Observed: 6:09
